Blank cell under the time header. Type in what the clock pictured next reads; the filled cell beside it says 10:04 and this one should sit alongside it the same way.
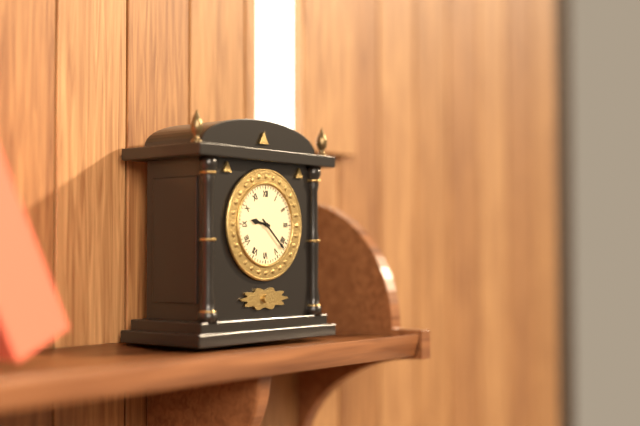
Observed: 9:22
